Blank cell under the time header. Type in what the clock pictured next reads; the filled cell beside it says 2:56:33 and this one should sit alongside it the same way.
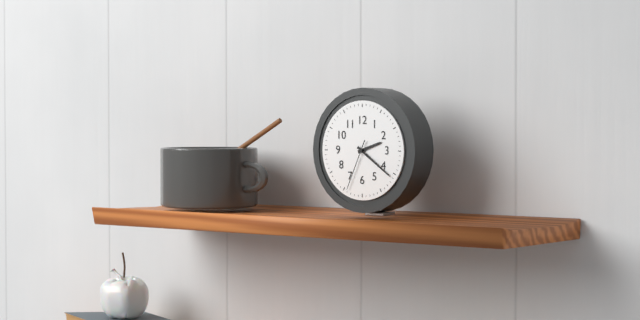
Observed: 2:21:34
